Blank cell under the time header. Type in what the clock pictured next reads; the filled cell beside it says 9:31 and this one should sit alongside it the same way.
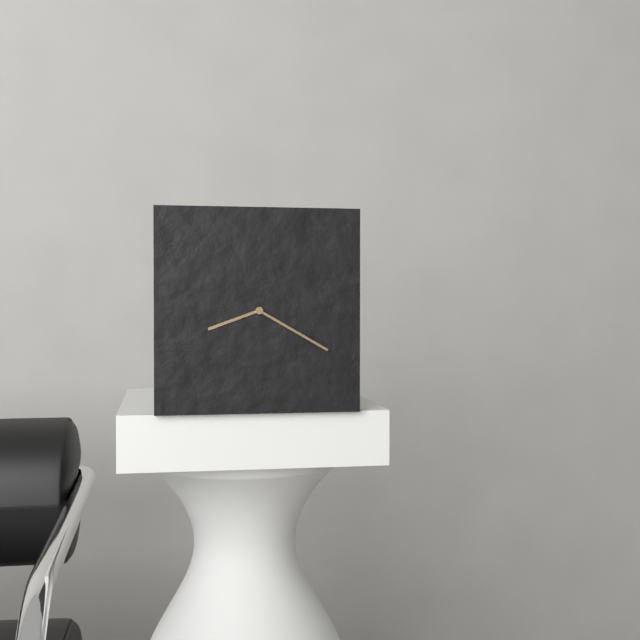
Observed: 8:20
